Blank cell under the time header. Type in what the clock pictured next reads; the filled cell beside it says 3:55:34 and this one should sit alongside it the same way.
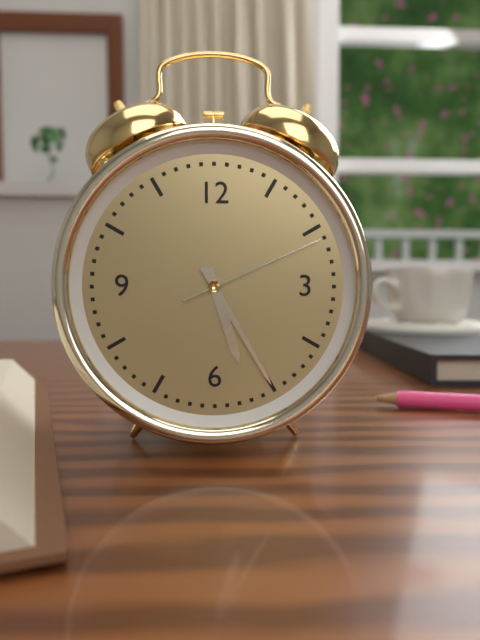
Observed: 5:25:11
